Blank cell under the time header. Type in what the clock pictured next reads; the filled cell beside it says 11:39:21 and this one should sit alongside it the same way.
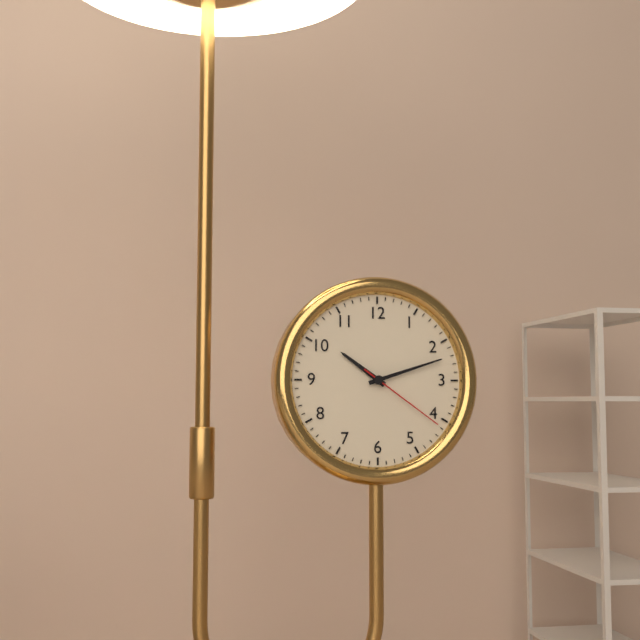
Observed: 10:12:21
